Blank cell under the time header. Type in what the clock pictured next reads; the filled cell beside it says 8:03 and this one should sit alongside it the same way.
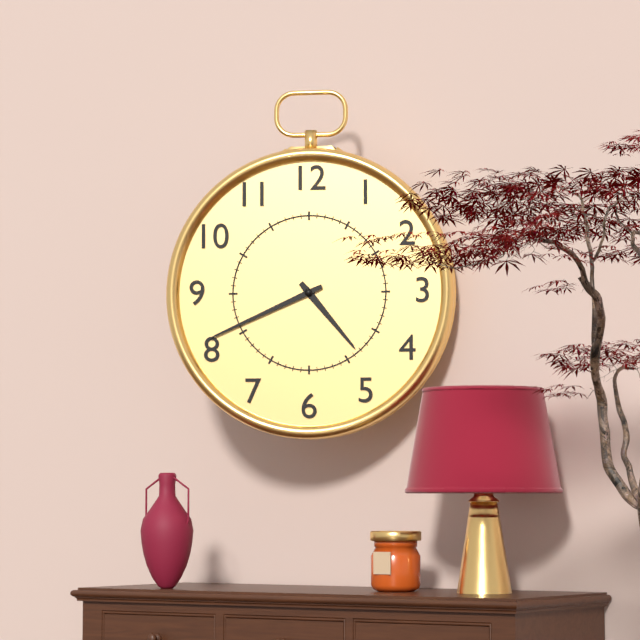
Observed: 4:41
